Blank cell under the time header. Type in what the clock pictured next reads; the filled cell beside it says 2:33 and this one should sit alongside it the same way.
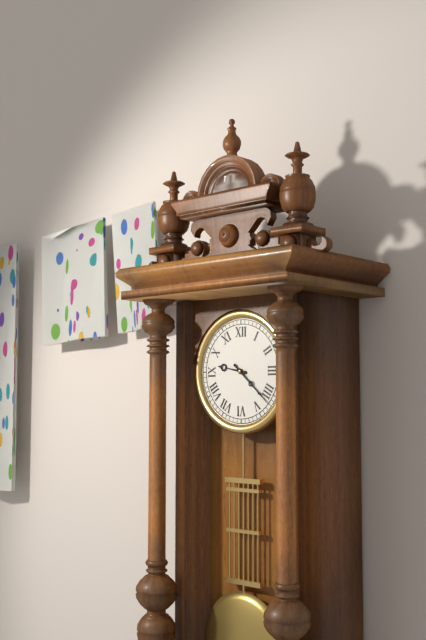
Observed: 9:22
